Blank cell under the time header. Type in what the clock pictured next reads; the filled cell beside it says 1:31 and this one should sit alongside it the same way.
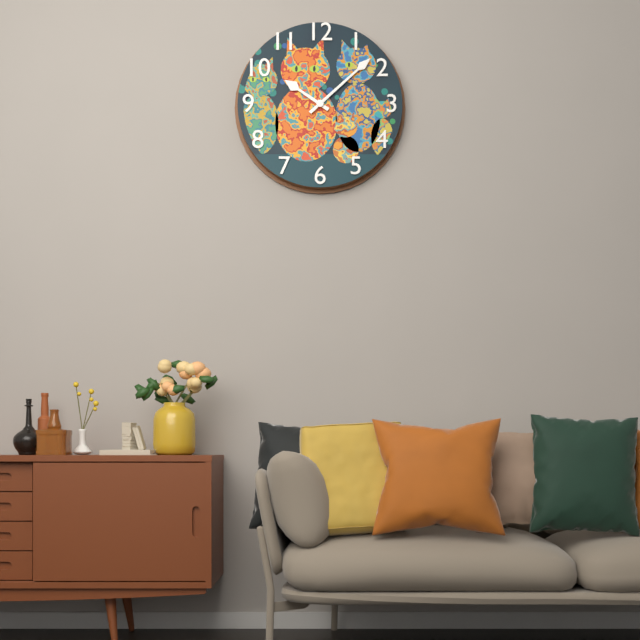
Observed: 10:08
